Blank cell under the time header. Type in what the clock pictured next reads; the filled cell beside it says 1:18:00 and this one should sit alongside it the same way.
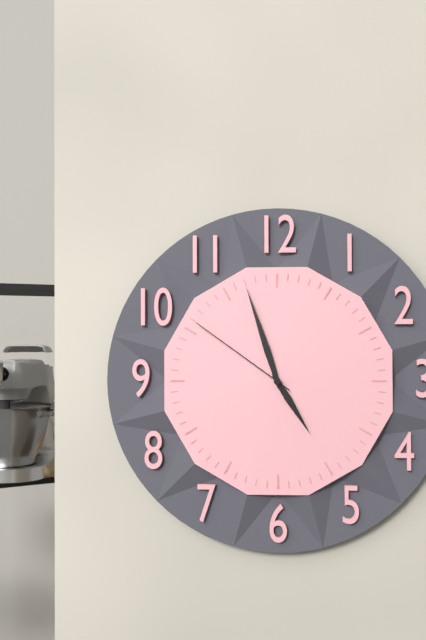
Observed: 4:57:51
